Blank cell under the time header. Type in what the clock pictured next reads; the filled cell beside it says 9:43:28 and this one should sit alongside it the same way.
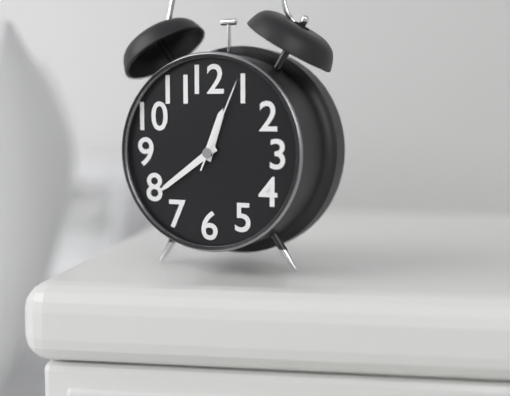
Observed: 12:39:04
